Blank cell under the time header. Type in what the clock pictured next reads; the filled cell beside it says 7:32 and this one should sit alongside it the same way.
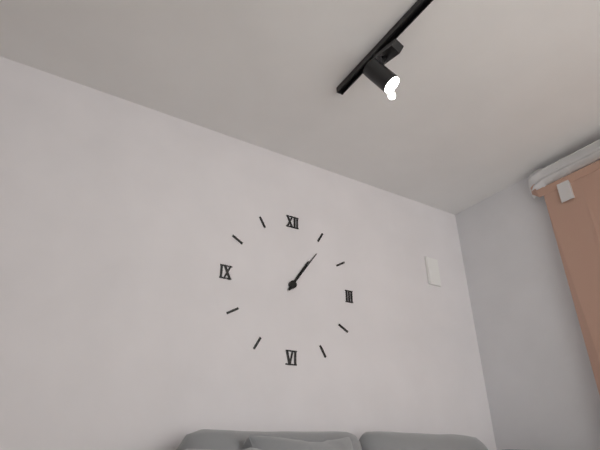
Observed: 1:06
